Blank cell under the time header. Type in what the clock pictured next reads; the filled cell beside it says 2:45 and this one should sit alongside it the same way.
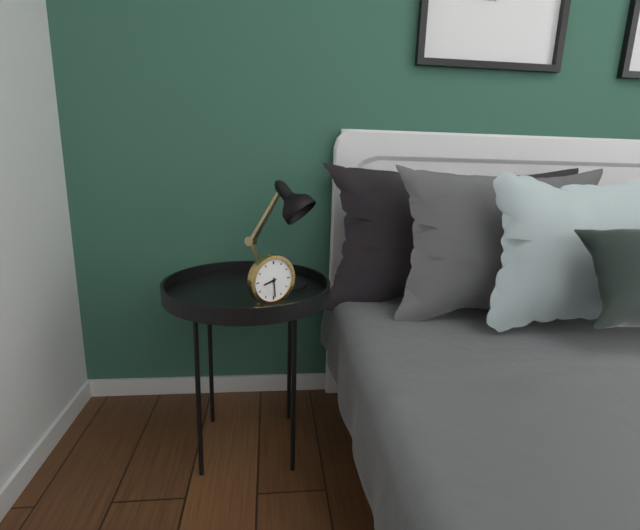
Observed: 8:29
